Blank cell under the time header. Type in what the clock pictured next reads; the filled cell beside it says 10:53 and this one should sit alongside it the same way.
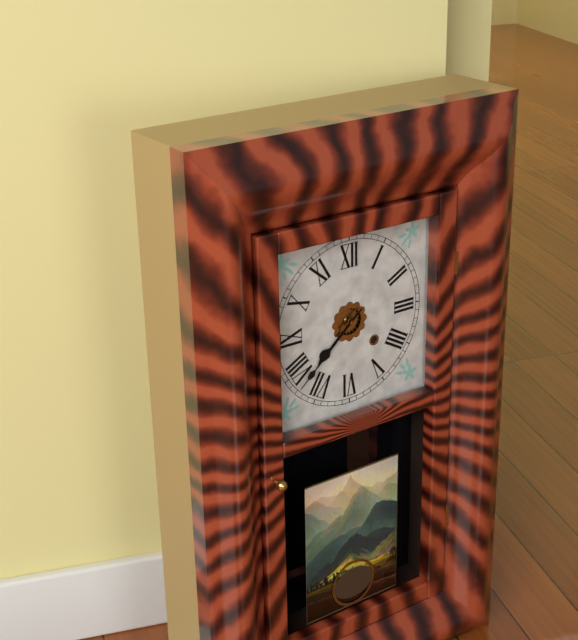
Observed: 7:38
